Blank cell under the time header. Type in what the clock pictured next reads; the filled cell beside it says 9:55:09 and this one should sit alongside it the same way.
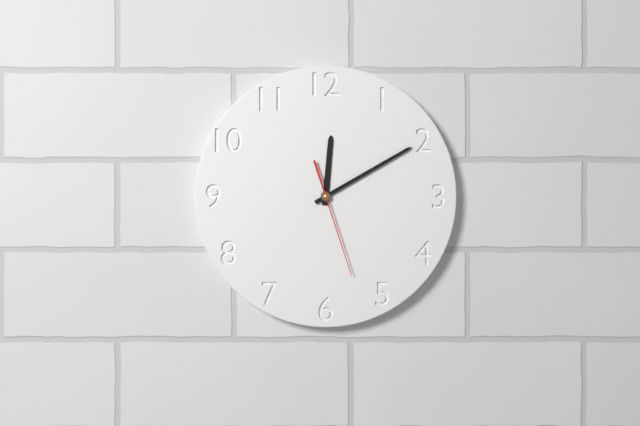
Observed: 12:10:27
